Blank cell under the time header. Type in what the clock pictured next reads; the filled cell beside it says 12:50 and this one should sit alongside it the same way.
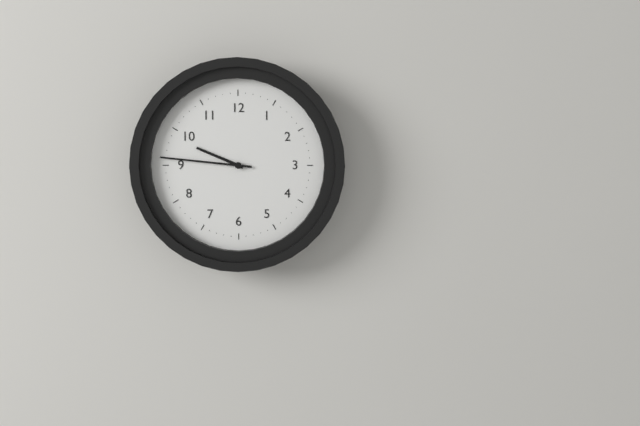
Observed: 9:46
